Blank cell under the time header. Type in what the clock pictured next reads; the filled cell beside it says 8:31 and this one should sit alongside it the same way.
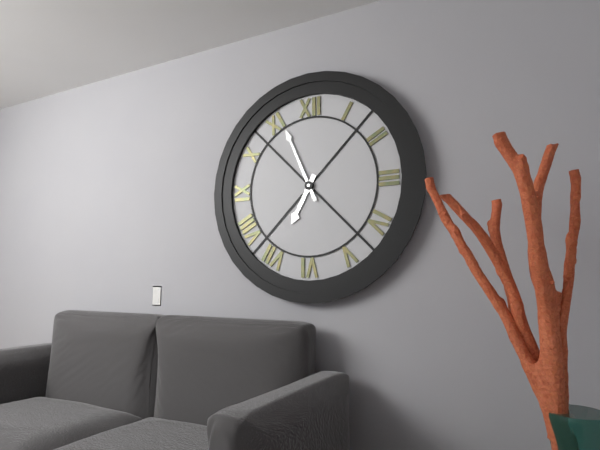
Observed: 6:56
